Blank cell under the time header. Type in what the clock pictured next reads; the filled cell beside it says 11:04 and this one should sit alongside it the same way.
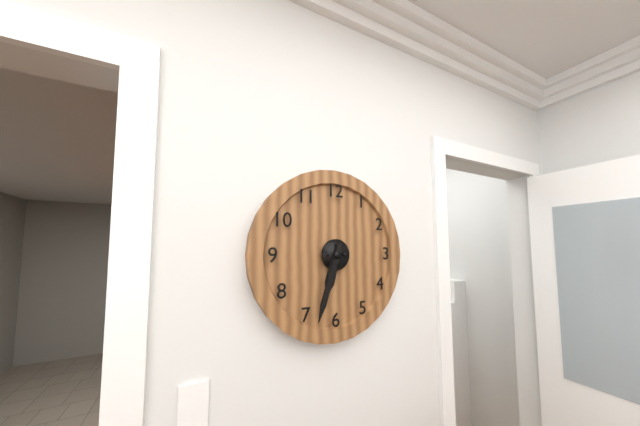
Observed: 6:33
